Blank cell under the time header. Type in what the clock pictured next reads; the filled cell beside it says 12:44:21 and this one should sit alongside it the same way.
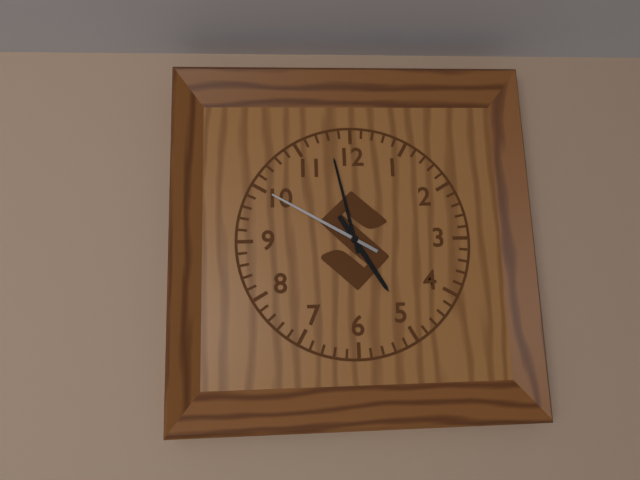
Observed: 4:58:50
